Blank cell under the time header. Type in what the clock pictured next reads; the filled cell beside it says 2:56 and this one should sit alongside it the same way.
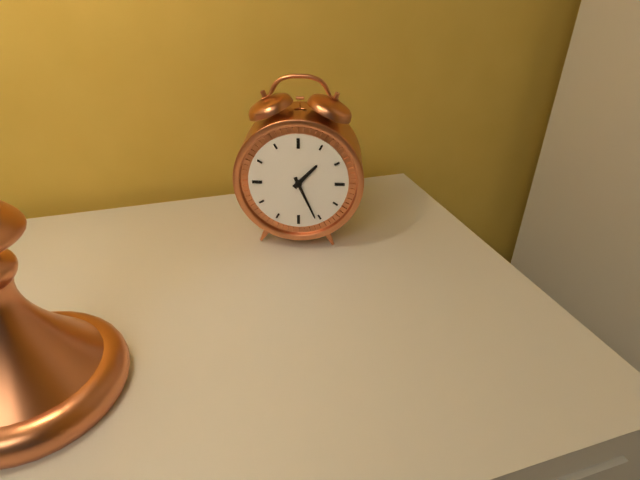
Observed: 1:26
